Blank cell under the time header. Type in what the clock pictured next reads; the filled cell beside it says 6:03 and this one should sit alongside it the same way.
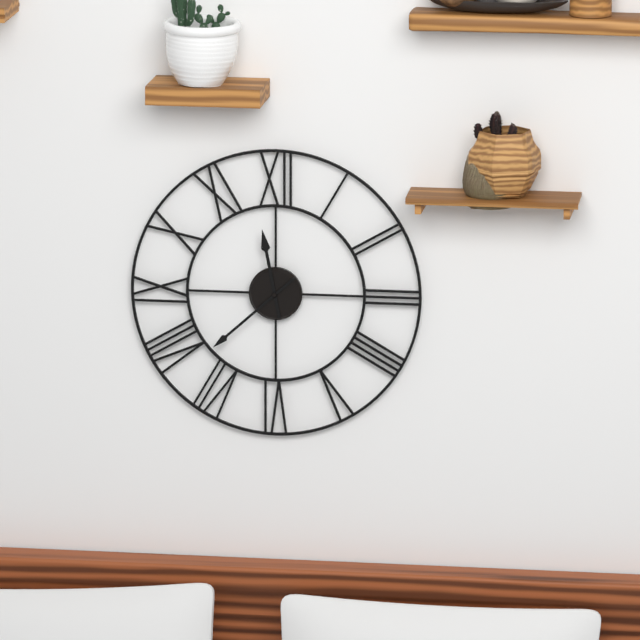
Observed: 11:38
